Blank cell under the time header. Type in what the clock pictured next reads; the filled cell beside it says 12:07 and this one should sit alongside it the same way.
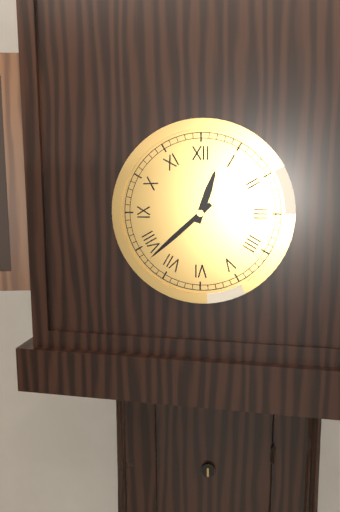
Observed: 12:38
